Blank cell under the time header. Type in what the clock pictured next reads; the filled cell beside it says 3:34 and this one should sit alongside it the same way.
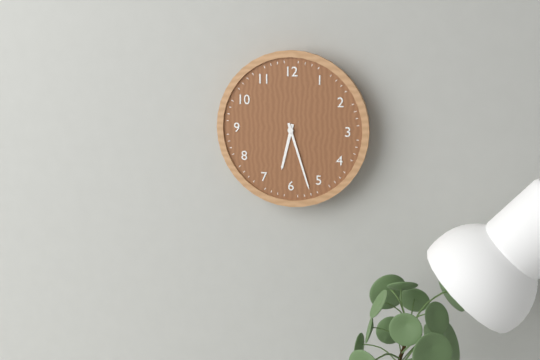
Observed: 6:27
